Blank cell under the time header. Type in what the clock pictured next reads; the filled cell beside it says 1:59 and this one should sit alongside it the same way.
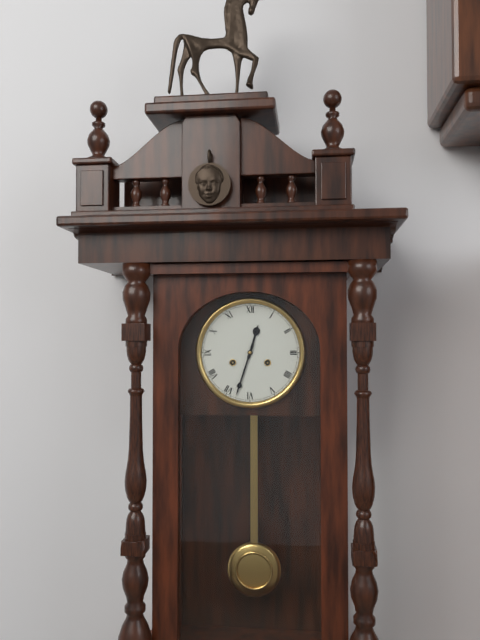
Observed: 12:33
